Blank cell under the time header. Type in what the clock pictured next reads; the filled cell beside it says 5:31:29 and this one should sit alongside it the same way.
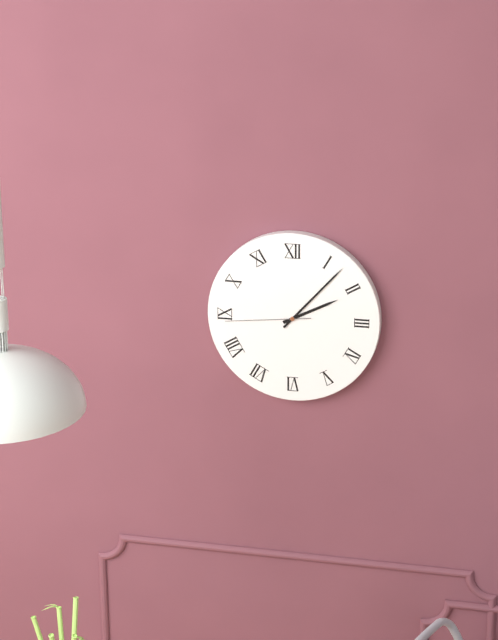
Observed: 2:07:44
